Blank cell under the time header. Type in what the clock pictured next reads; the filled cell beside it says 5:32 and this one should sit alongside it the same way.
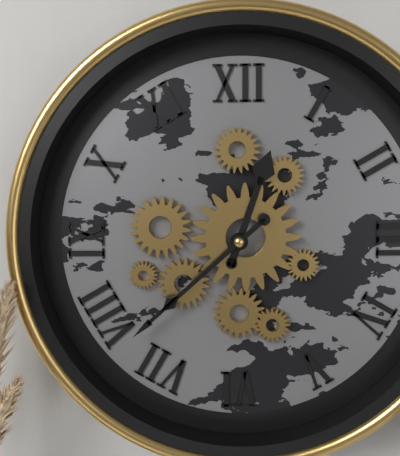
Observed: 12:38
